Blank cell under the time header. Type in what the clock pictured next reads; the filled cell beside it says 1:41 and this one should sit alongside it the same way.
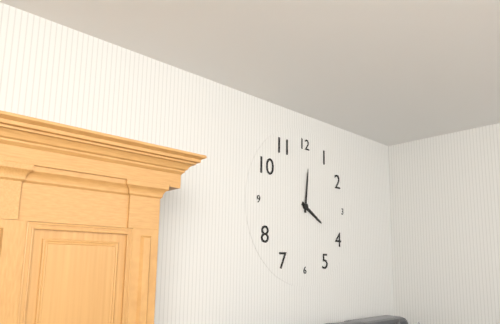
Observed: 4:01
